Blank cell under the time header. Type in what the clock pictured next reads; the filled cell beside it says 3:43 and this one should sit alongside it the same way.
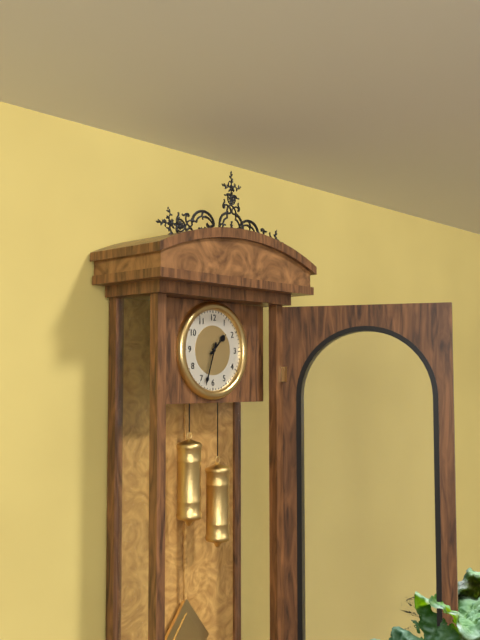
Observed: 1:33
